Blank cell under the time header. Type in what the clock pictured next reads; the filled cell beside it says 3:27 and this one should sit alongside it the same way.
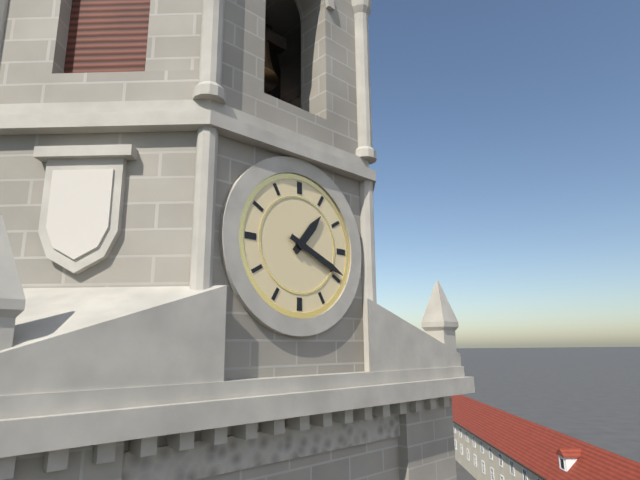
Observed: 1:19
